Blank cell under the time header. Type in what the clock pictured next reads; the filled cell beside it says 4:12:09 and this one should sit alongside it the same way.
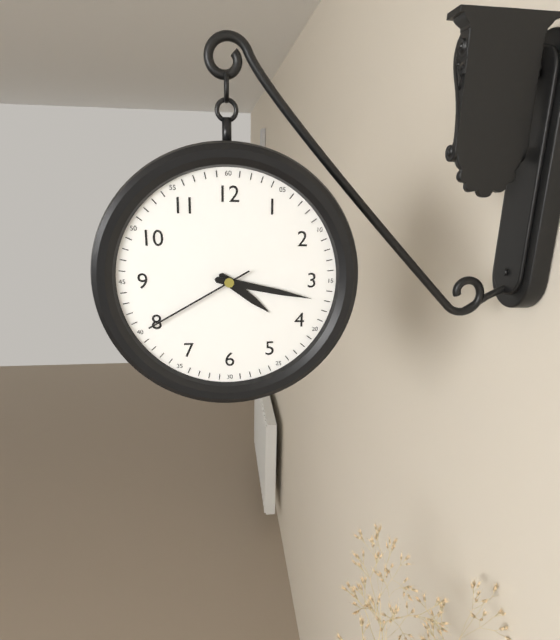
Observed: 4:17:40
